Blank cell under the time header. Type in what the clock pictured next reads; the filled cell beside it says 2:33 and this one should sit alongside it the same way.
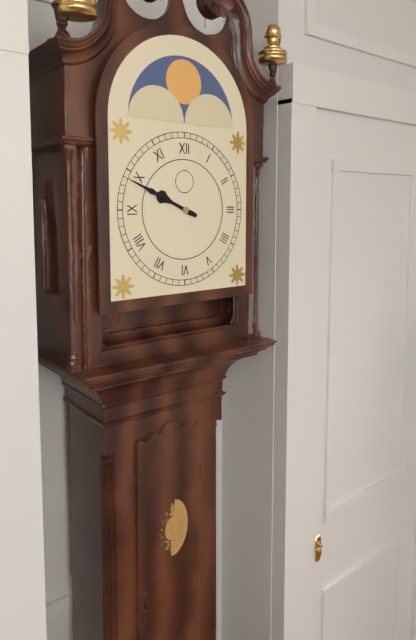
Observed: 9:49
